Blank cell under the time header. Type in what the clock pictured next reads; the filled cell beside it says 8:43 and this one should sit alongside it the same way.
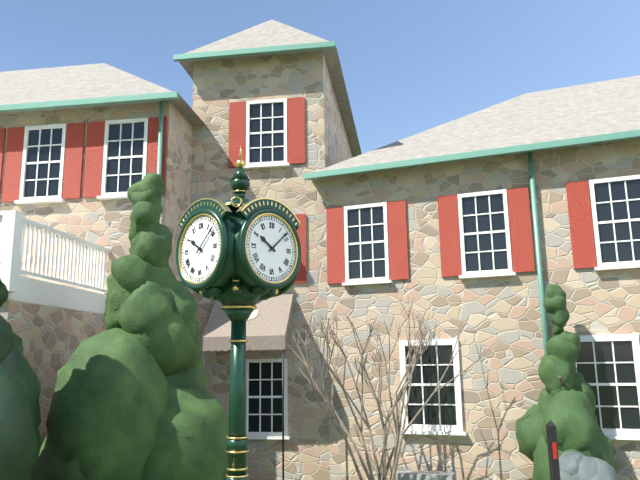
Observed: 10:08
